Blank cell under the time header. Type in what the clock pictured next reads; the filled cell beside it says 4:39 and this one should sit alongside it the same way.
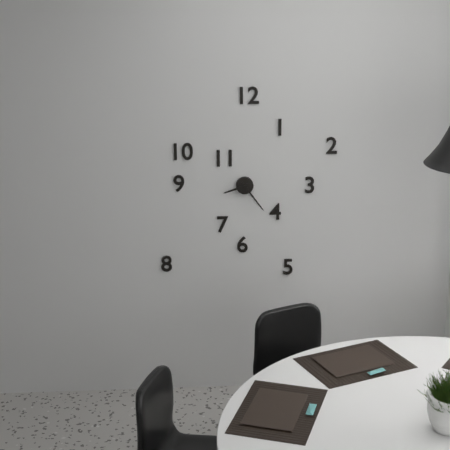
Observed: 8:24
